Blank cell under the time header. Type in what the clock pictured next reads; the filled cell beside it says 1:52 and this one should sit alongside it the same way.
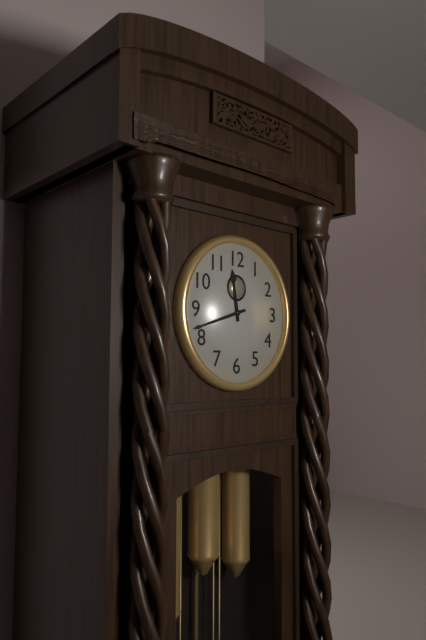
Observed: 11:42
